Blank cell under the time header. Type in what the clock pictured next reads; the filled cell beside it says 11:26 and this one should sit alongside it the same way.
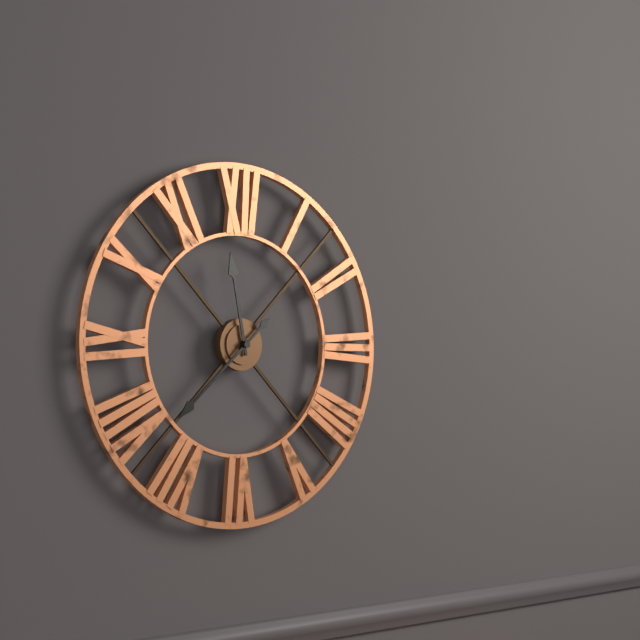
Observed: 11:38
